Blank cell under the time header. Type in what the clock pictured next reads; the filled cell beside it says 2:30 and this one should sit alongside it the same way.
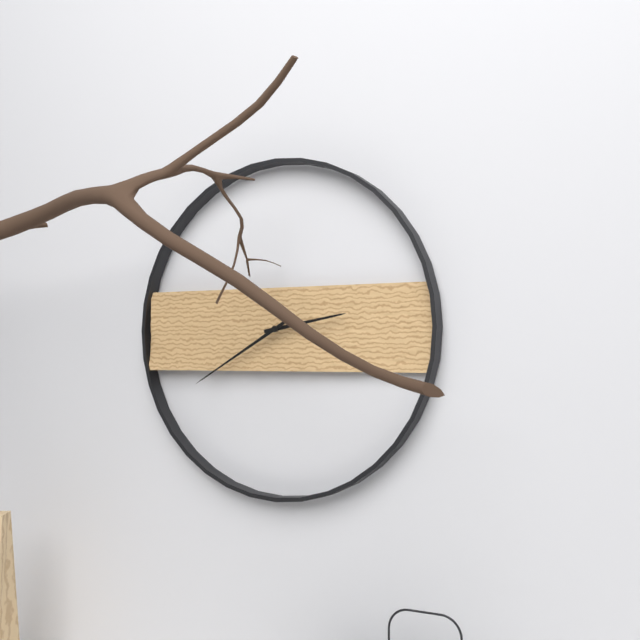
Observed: 2:40
